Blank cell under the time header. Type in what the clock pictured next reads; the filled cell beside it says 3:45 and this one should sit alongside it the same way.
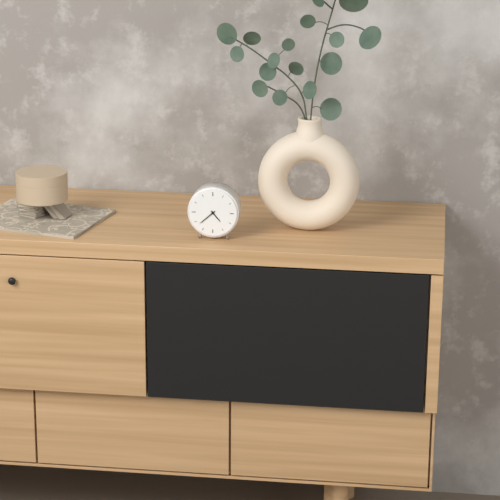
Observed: 4:38
